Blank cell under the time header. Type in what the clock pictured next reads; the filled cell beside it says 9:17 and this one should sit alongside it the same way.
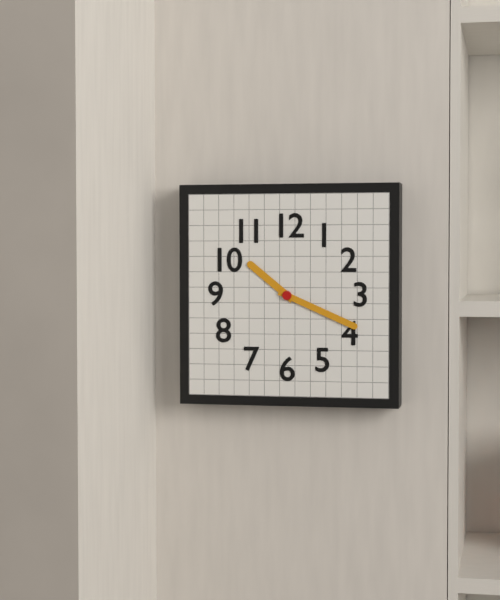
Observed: 10:19
